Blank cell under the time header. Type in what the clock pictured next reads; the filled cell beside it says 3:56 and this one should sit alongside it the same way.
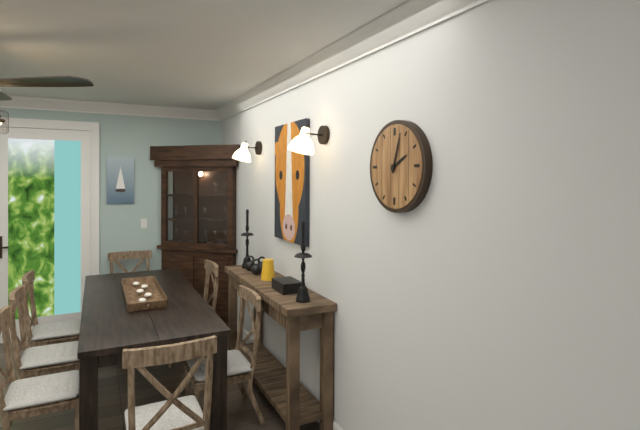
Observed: 2:03
